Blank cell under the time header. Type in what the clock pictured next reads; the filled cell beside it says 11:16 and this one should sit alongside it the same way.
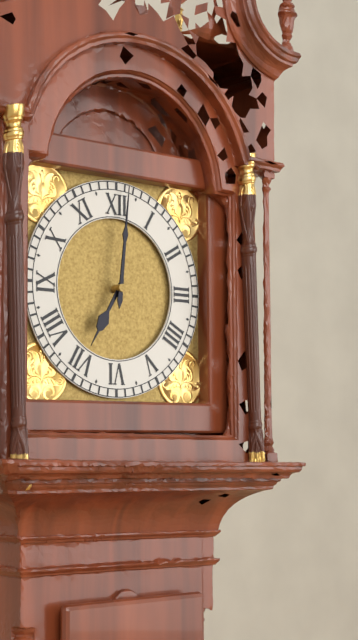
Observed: 7:01
